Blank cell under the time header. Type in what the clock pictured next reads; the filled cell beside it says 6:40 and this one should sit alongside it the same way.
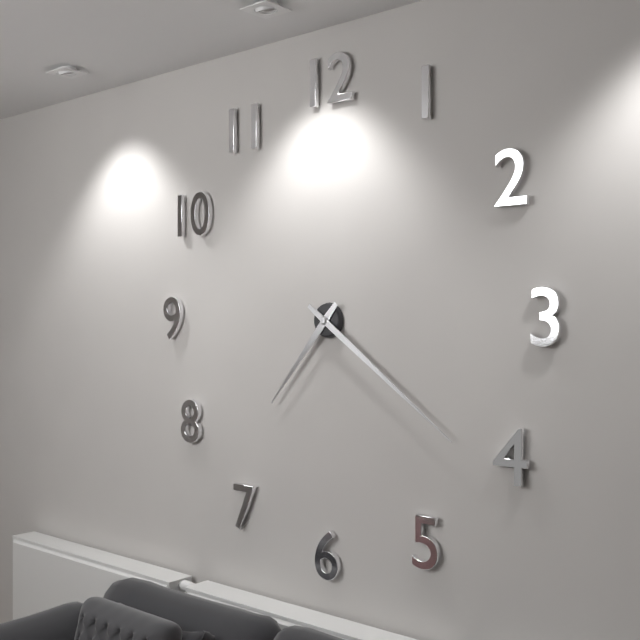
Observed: 7:21
